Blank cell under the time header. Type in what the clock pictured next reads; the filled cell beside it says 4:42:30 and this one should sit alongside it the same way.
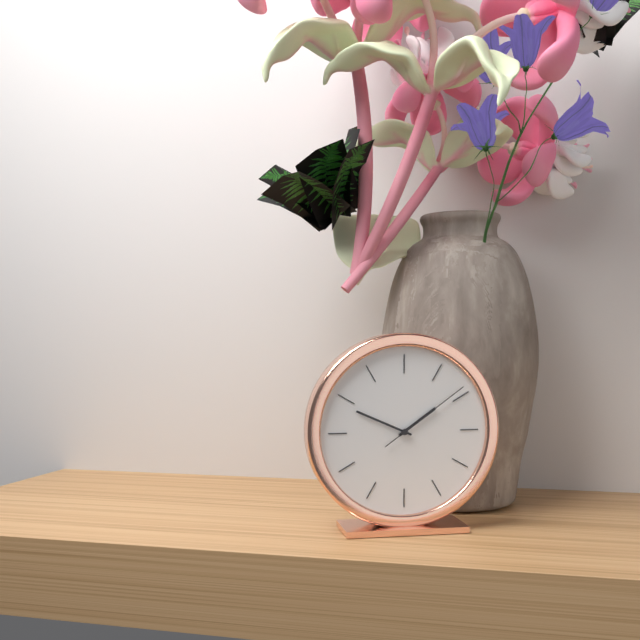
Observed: 1:49:09
